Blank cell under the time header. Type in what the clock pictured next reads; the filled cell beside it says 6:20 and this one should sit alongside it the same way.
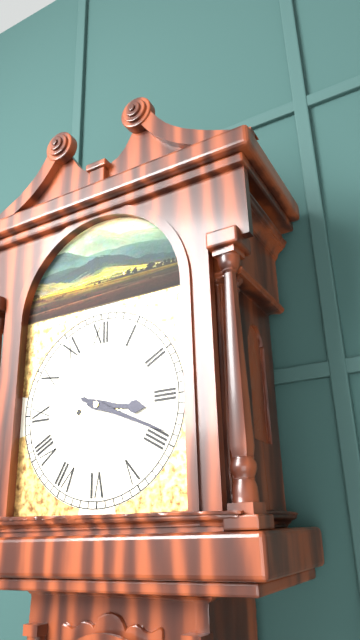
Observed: 3:19
